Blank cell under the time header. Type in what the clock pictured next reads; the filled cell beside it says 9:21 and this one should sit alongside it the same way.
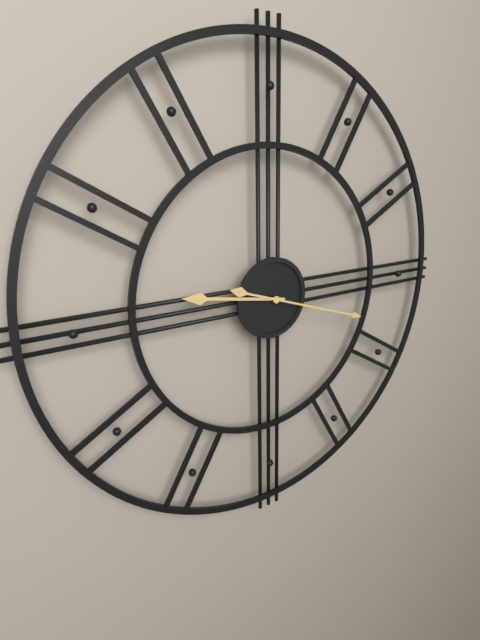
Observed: 9:18
